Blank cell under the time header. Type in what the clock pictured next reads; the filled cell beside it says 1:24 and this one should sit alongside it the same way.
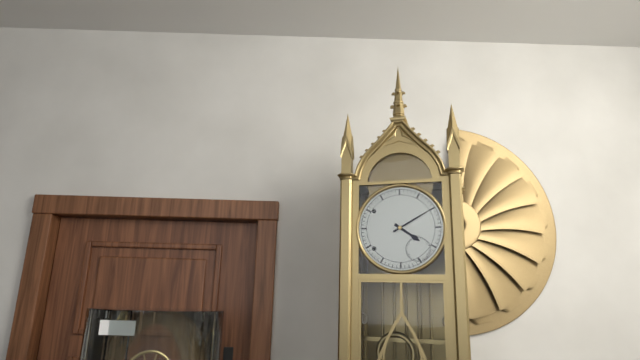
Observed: 4:10
